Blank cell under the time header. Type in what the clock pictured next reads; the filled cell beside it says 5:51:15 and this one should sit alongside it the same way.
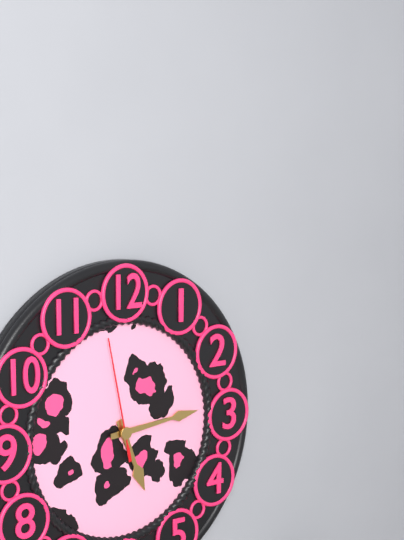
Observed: 5:14:58
